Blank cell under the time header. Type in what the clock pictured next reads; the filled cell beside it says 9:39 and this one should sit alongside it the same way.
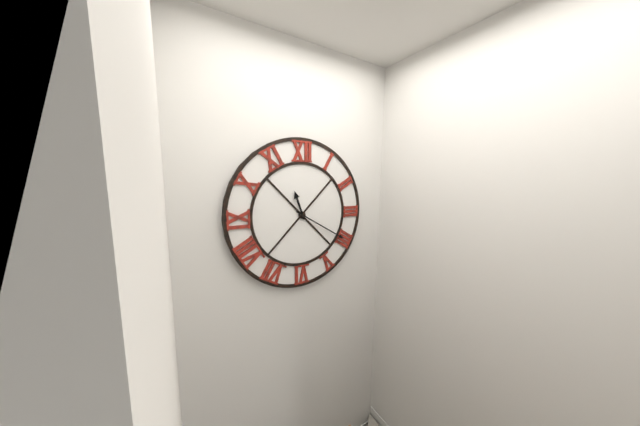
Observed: 11:20
